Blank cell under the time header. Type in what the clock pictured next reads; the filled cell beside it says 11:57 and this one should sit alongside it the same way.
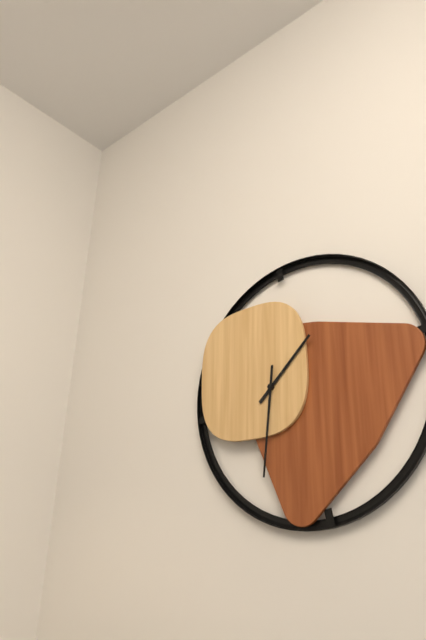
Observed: 1:31
